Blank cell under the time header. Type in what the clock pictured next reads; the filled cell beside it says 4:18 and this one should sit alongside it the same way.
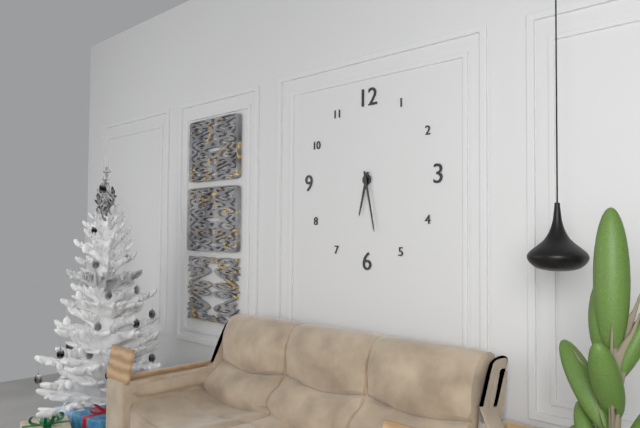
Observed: 6:28
